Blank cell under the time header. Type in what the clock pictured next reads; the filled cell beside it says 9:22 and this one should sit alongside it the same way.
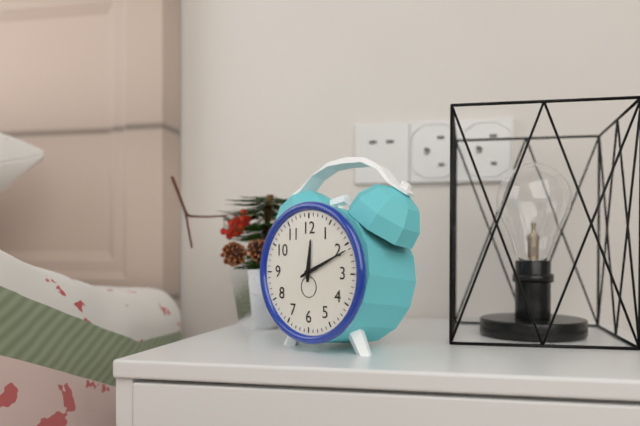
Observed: 12:11
